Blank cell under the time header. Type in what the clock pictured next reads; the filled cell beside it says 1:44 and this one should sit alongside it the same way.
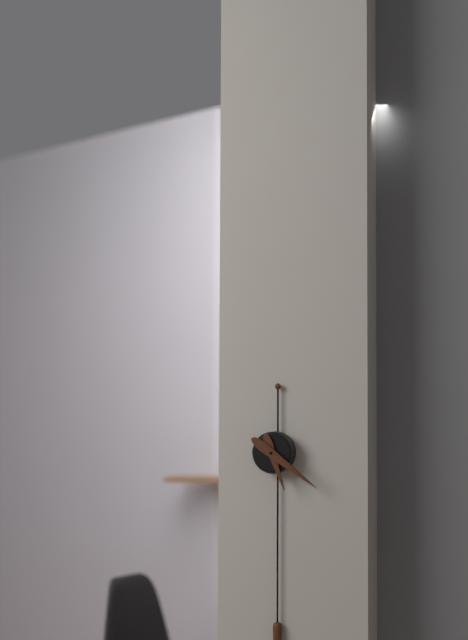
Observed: 5:21
